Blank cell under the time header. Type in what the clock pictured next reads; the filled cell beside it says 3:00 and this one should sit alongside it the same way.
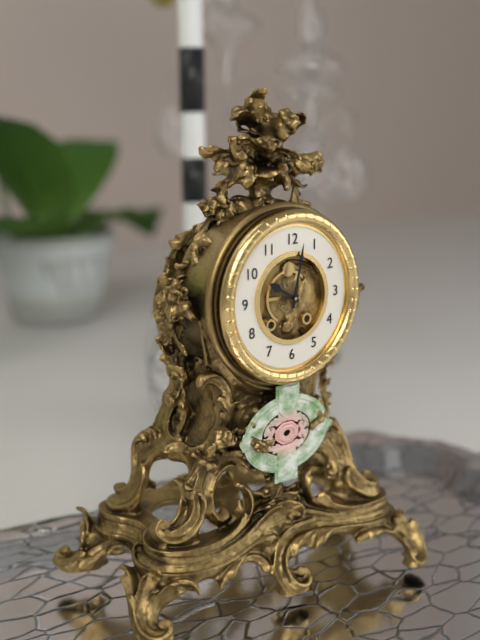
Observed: 10:02
